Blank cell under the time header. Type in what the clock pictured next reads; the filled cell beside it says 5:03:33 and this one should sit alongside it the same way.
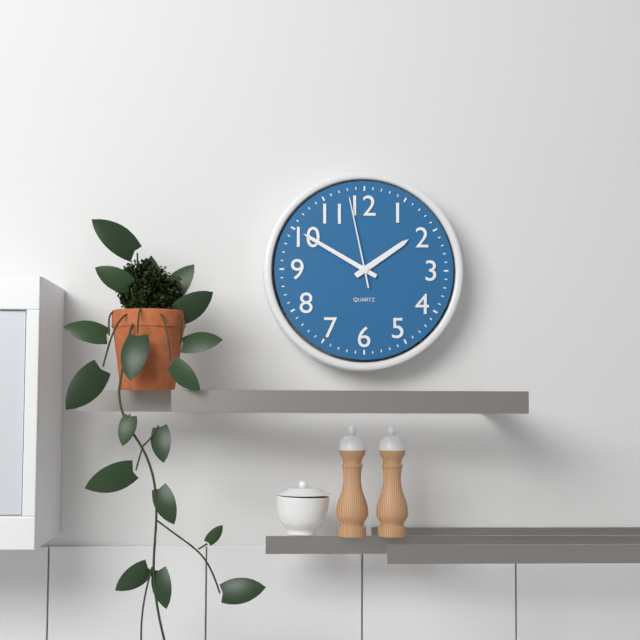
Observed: 1:50:58
